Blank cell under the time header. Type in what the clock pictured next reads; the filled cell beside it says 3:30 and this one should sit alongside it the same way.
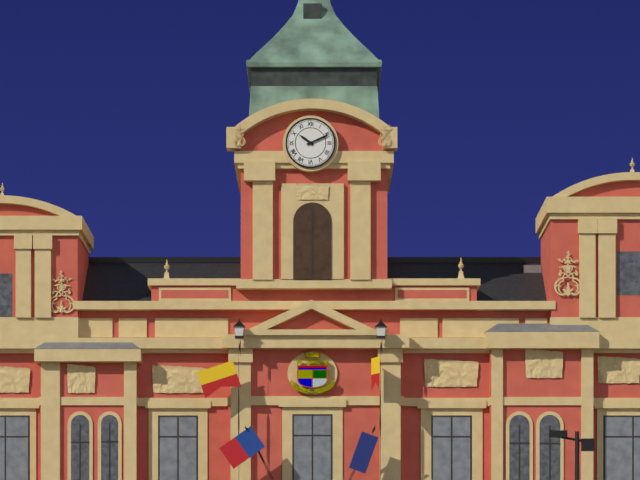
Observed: 10:11
